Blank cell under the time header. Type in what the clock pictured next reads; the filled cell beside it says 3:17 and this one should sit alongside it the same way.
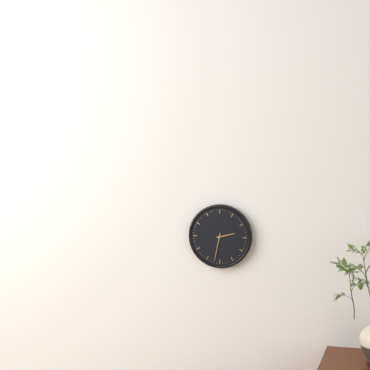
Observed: 2:32
